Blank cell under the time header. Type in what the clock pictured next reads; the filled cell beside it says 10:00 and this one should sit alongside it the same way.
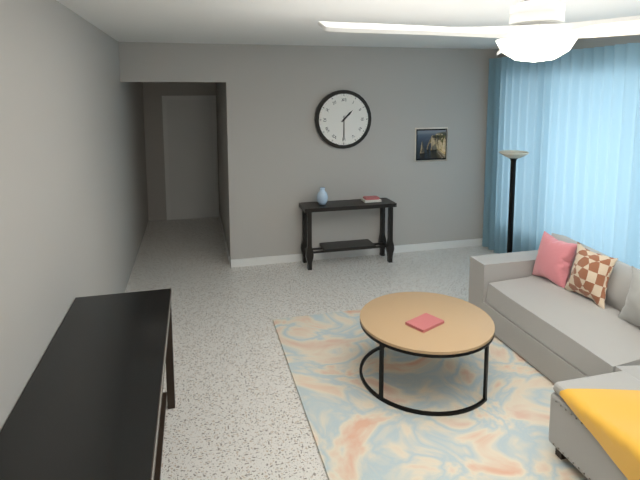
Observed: 1:30
